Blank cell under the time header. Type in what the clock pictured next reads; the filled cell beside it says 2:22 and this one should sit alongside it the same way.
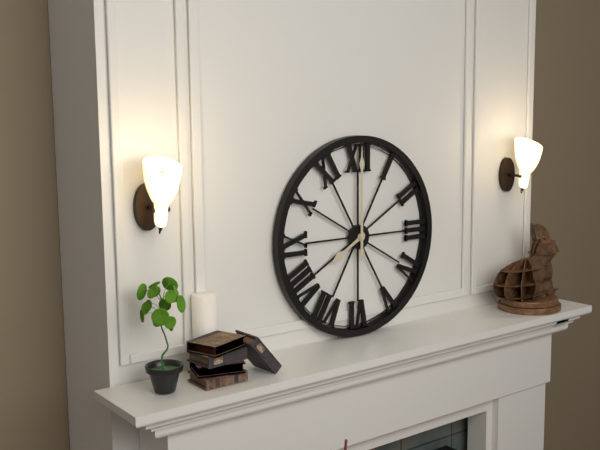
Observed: 8:00
